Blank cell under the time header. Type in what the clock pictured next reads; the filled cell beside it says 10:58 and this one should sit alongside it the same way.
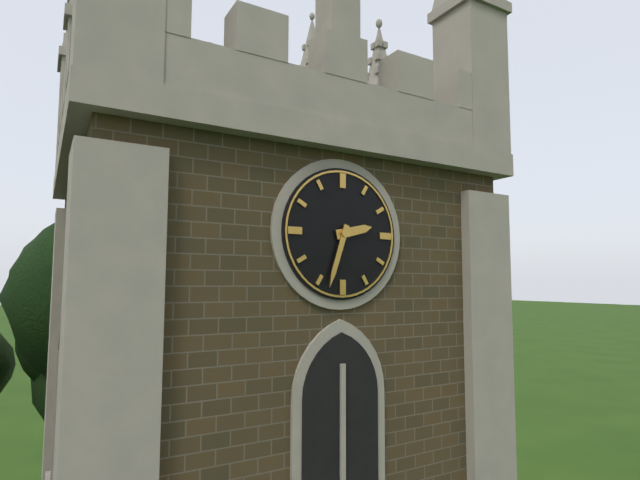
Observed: 2:33
